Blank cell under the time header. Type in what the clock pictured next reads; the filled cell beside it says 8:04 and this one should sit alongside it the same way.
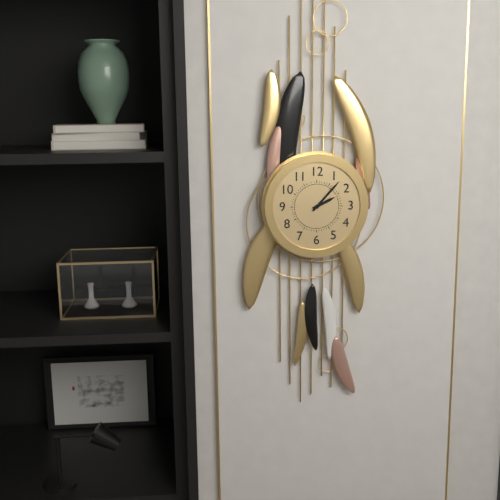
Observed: 2:07
